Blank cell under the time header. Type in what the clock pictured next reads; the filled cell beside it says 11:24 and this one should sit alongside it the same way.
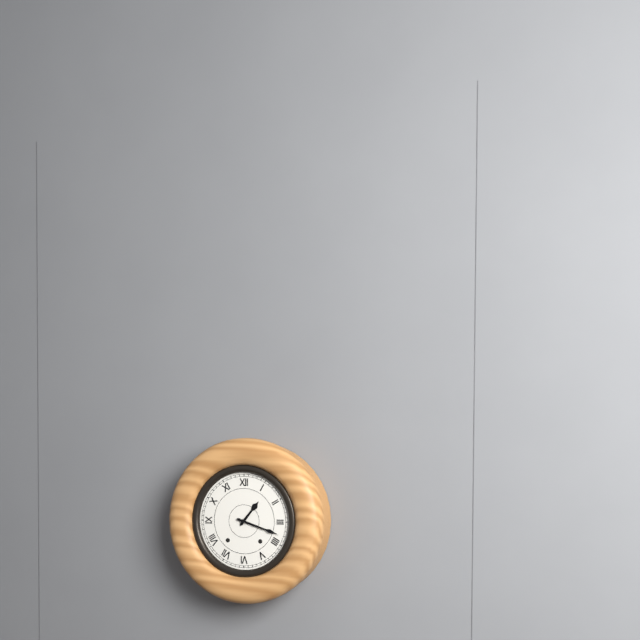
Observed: 1:18
